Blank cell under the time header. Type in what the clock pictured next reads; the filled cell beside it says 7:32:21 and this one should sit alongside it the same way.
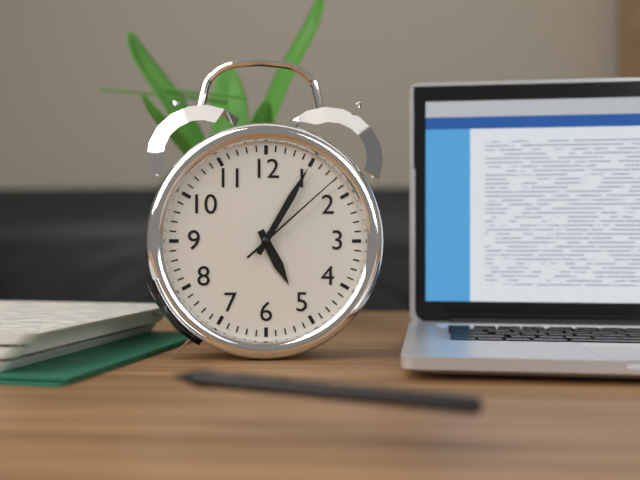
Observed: 5:05:08
